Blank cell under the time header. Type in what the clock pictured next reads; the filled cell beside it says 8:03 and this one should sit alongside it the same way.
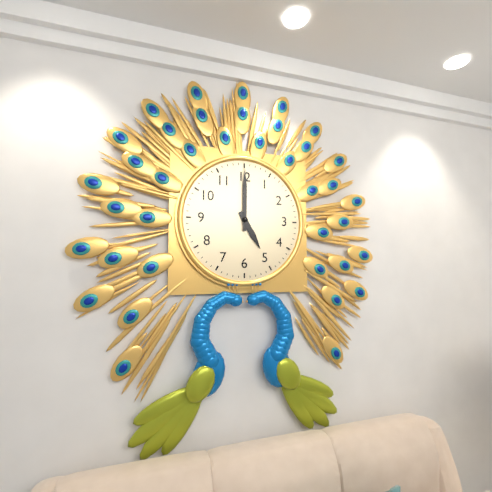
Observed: 5:00
